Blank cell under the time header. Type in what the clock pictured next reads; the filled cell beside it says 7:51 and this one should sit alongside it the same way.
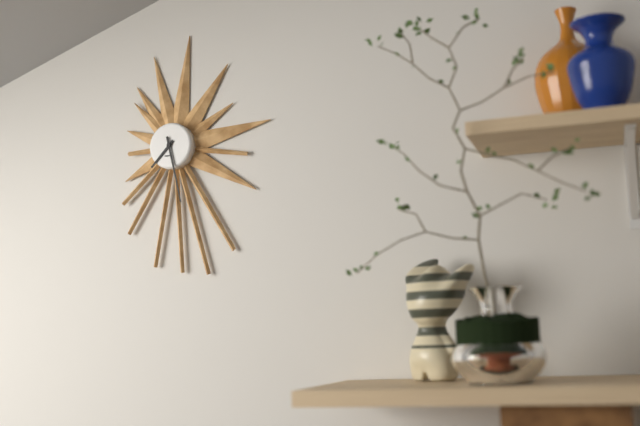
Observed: 7:28
